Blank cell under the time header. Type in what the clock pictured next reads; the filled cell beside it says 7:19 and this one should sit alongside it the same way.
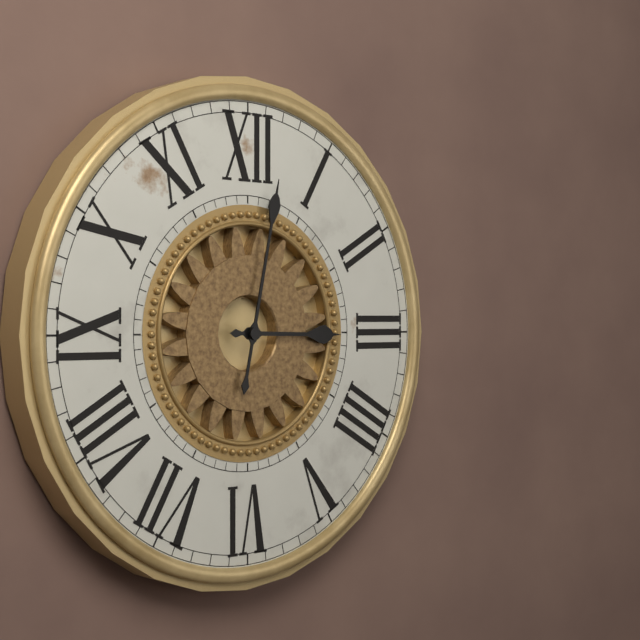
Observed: 3:02
